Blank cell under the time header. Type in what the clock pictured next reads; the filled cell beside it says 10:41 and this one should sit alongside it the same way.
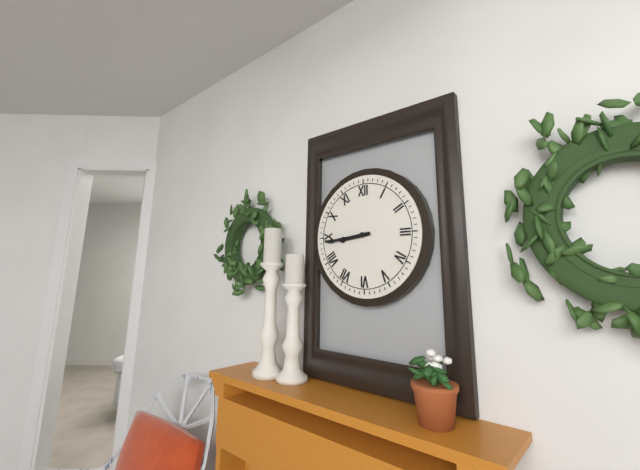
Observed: 8:44
